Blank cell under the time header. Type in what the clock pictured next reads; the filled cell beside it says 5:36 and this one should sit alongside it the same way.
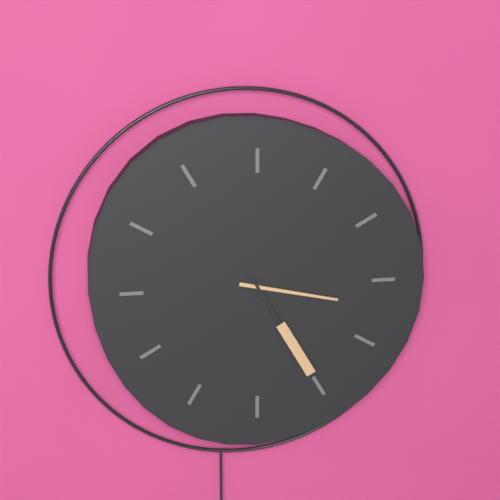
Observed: 3:25
